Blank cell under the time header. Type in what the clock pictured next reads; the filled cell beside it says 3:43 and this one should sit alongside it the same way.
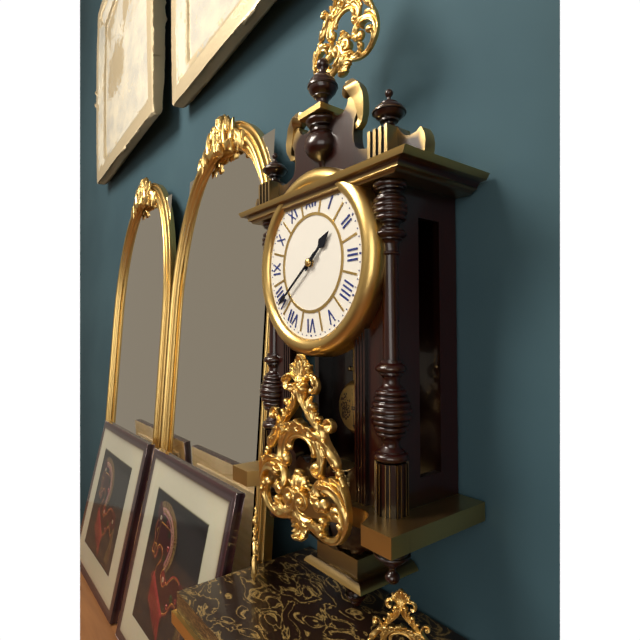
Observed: 1:39
